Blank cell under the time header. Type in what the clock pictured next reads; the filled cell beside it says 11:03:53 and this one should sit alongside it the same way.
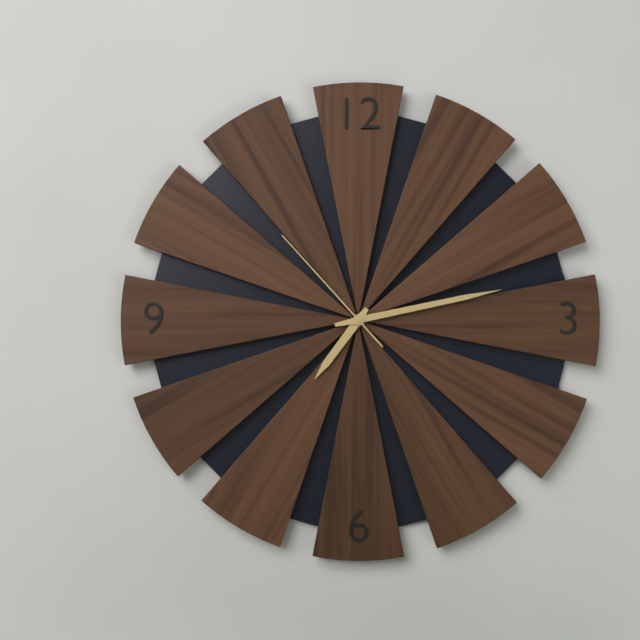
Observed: 7:13:53
